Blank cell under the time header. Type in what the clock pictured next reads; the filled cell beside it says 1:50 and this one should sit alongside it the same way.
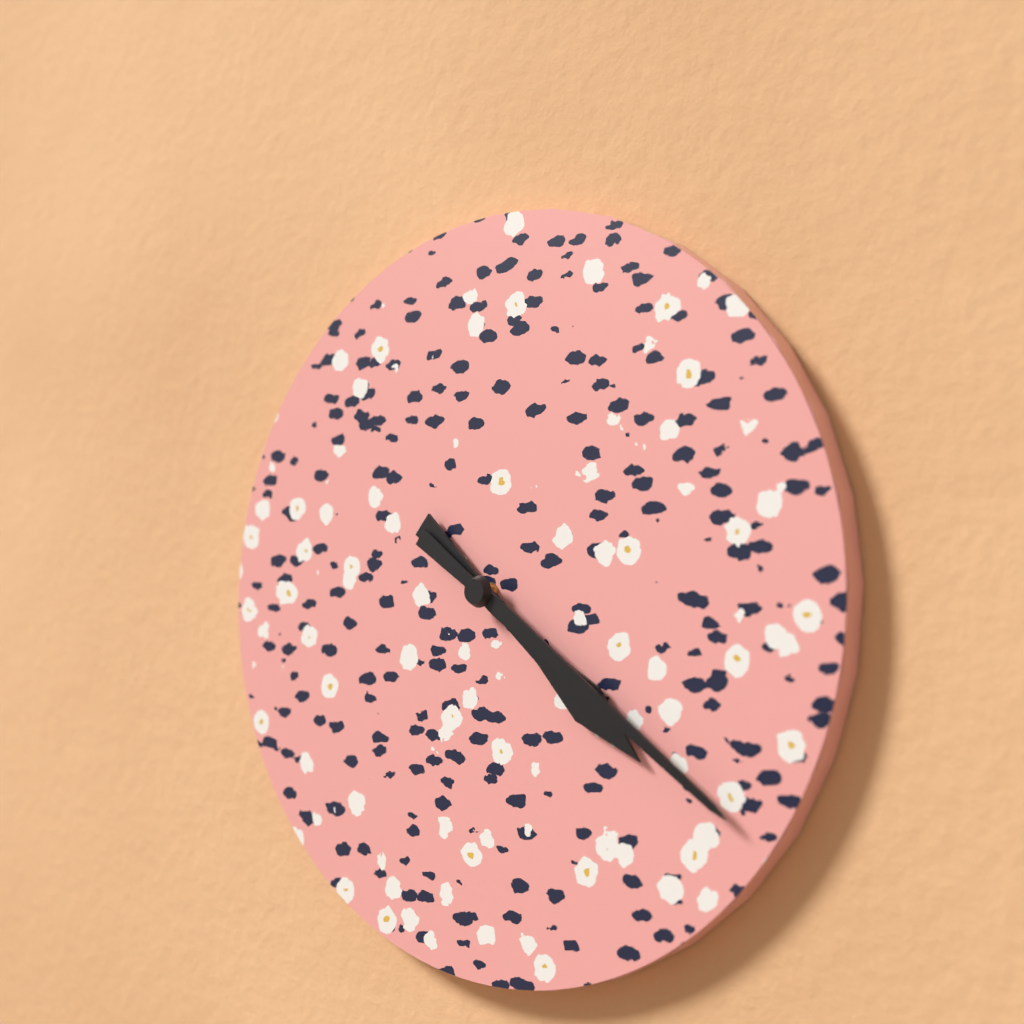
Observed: 4:21
